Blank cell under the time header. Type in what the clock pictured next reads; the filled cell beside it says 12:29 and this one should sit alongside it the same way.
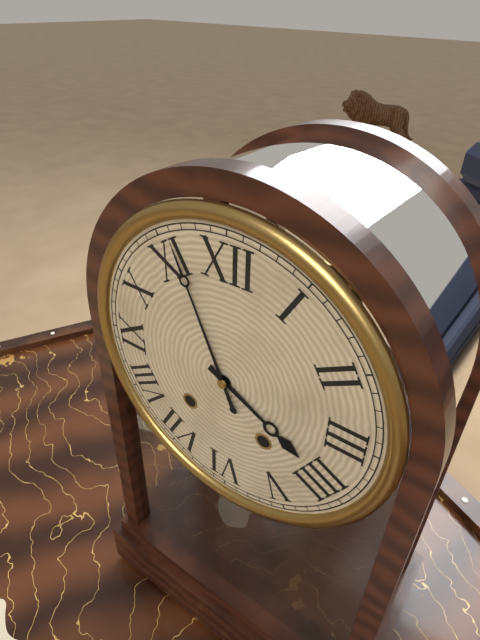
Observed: 3:56
